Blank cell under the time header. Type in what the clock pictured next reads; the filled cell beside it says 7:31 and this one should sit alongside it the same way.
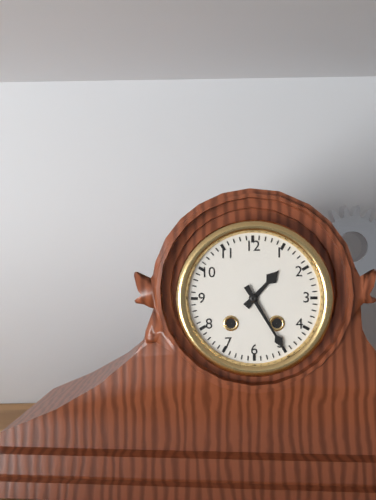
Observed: 1:25
